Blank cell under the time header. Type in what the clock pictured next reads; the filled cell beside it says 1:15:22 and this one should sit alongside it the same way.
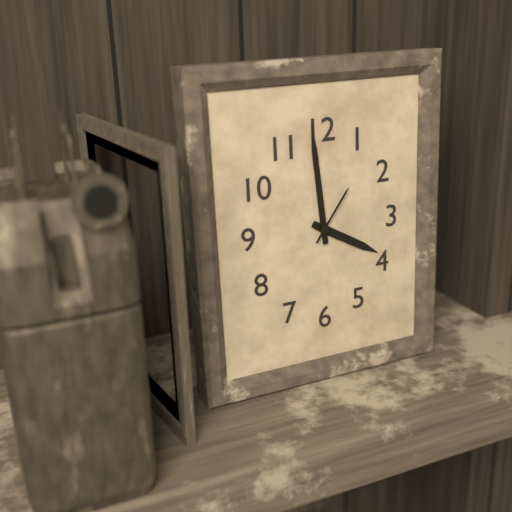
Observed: 3:59:06
